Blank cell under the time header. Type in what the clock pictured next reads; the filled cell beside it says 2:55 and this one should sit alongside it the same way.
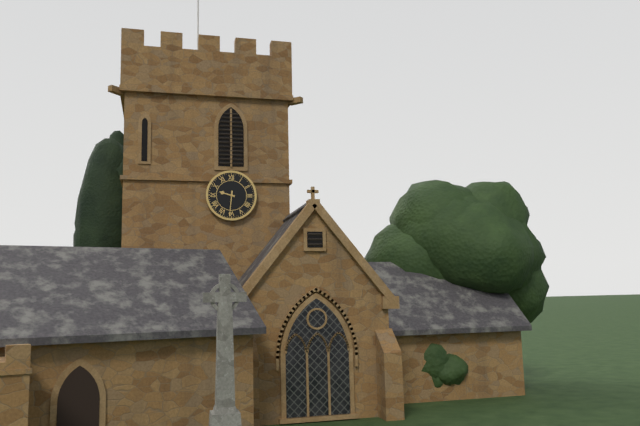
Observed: 9:31
